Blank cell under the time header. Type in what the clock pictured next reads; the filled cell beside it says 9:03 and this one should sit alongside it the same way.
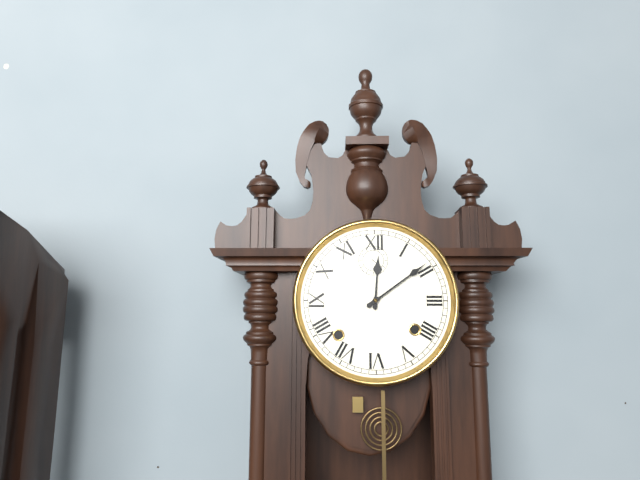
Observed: 12:09
